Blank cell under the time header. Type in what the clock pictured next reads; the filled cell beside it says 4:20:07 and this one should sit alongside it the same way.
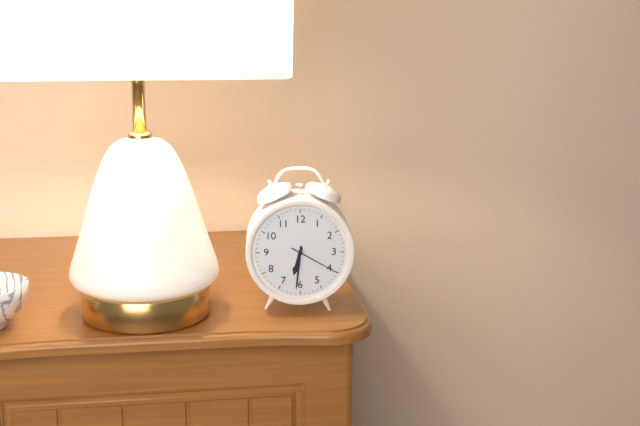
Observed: 6:31:20
